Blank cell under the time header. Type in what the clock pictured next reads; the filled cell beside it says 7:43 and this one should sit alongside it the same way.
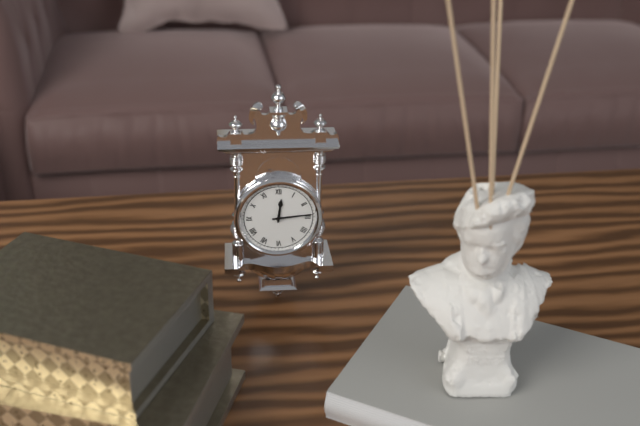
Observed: 12:14
